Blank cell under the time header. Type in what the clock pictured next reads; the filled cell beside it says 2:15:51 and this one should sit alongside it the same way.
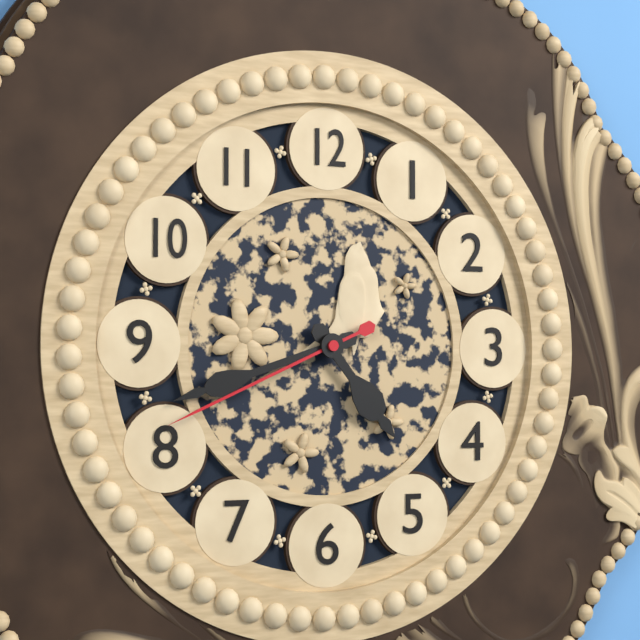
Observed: 4:42:41
